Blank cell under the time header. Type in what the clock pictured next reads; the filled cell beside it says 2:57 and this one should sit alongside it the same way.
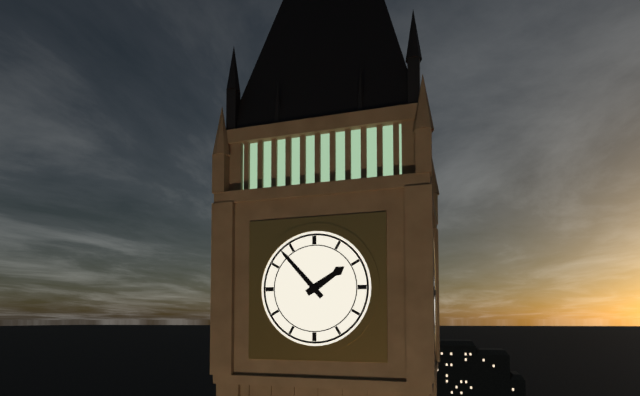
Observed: 1:53
